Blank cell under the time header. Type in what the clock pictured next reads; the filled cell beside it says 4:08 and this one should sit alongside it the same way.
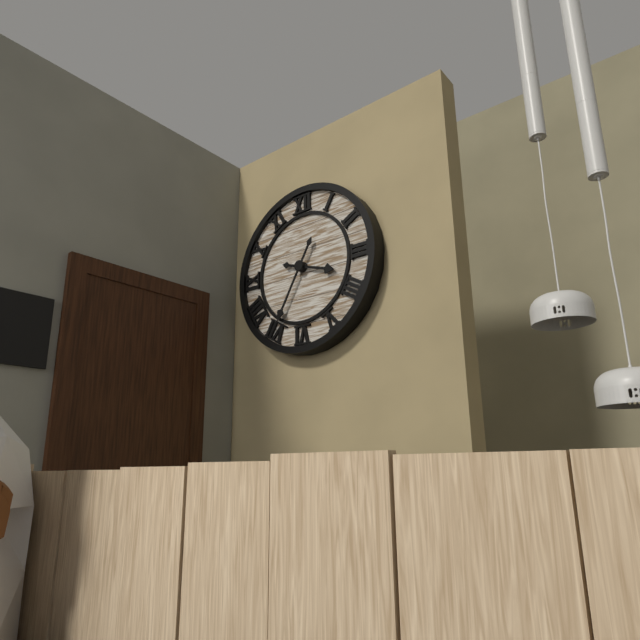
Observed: 3:35
